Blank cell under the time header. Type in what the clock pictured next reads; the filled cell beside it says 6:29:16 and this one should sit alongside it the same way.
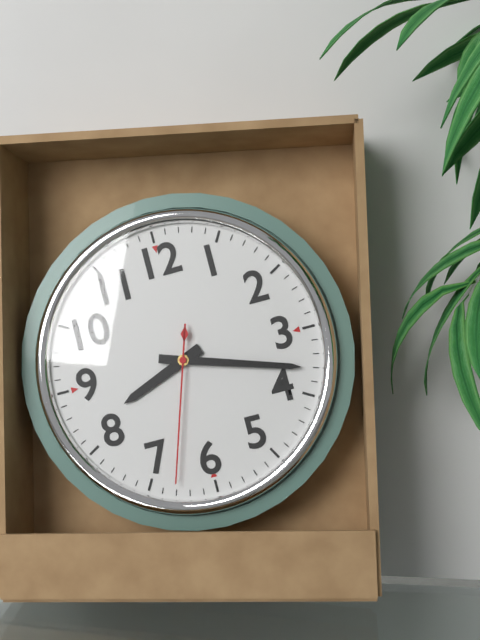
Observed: 8:18:33
